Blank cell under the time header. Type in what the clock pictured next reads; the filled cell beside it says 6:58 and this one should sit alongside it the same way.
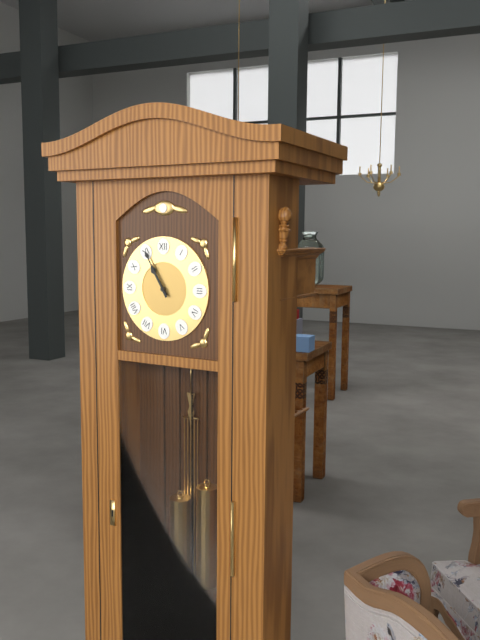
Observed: 10:55
